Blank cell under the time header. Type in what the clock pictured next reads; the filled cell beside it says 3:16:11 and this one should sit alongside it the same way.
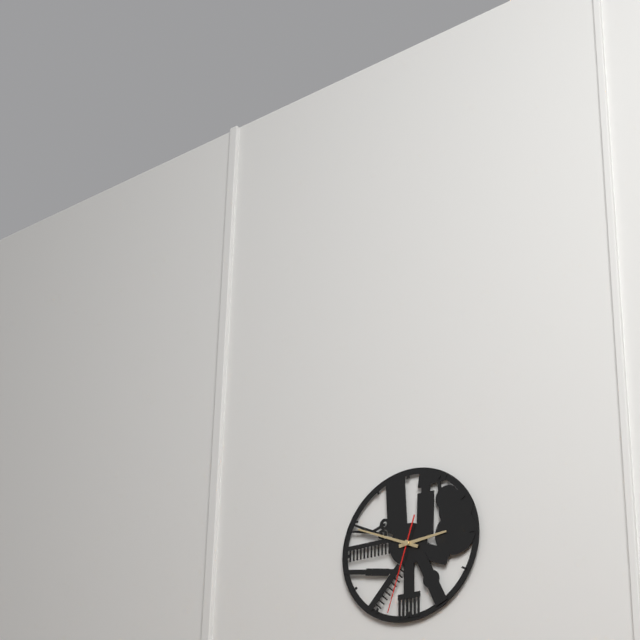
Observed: 2:49:33
